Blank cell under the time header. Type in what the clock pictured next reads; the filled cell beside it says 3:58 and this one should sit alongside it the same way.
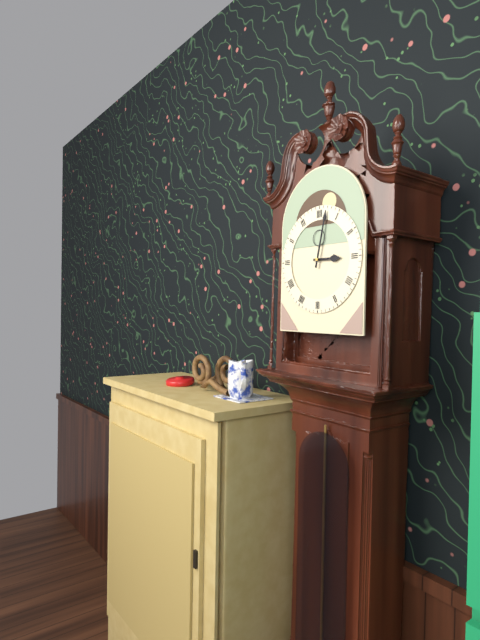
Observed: 3:02
